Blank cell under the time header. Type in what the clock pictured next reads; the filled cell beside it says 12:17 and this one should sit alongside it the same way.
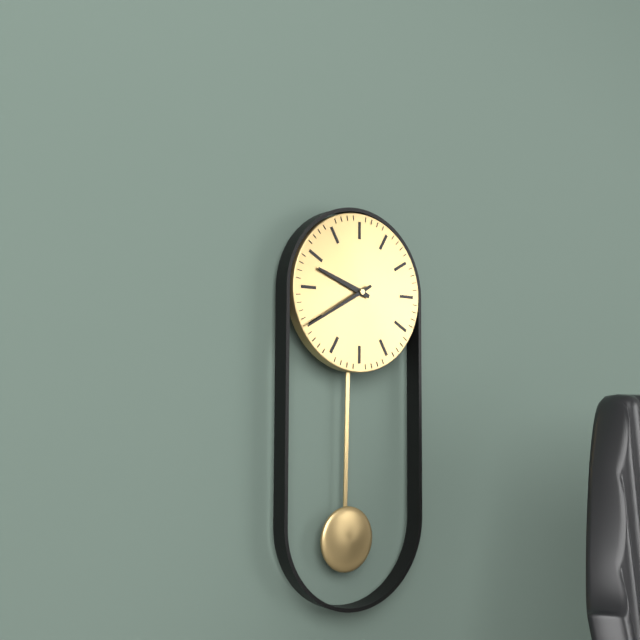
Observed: 9:40
